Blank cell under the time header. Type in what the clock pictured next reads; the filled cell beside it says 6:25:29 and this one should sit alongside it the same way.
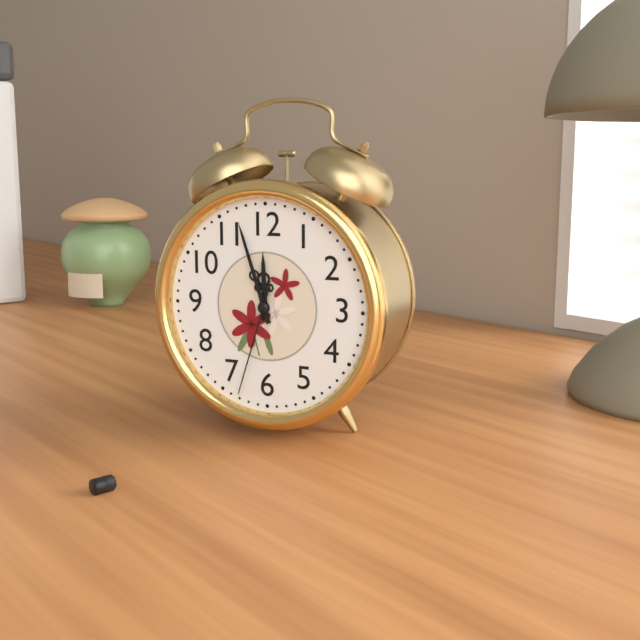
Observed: 11:57:33
